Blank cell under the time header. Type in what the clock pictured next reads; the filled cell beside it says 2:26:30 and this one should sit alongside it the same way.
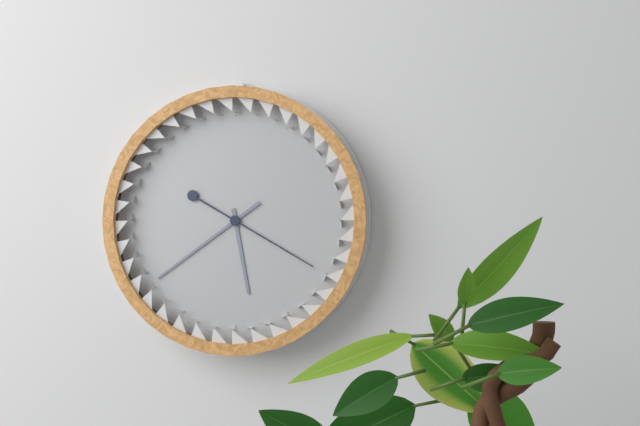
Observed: 5:39:20
